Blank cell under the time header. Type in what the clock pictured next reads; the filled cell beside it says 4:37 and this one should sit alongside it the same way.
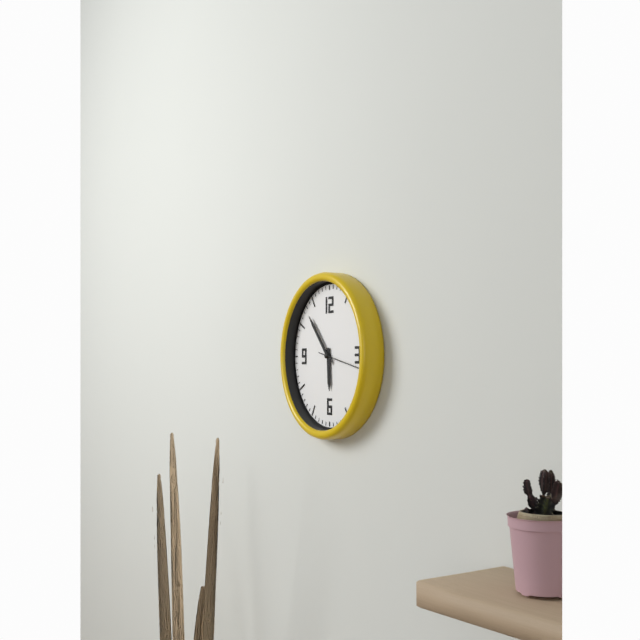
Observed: 5:53
